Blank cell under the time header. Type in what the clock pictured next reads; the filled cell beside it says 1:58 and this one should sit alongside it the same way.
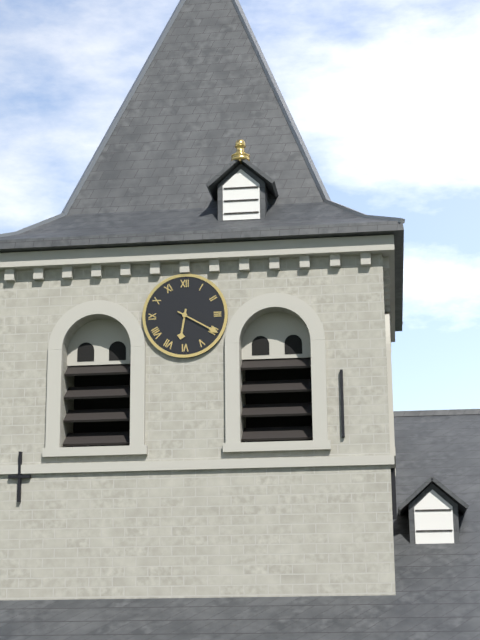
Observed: 6:20
